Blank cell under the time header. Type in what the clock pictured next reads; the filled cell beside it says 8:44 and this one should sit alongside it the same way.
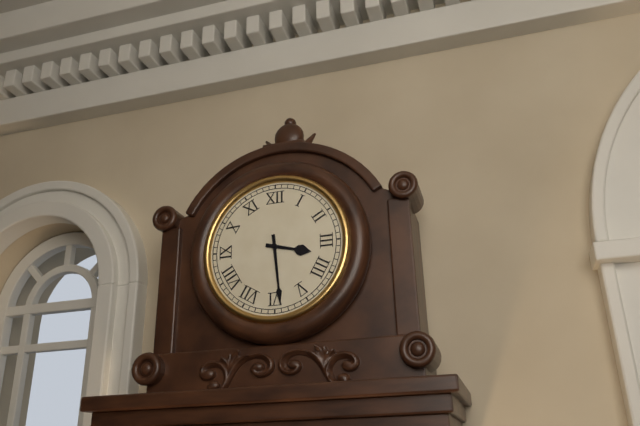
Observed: 3:29
